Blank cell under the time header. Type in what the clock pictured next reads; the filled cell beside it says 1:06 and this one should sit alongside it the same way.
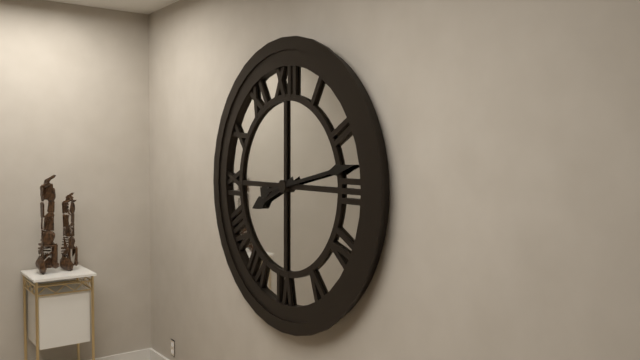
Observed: 8:13
